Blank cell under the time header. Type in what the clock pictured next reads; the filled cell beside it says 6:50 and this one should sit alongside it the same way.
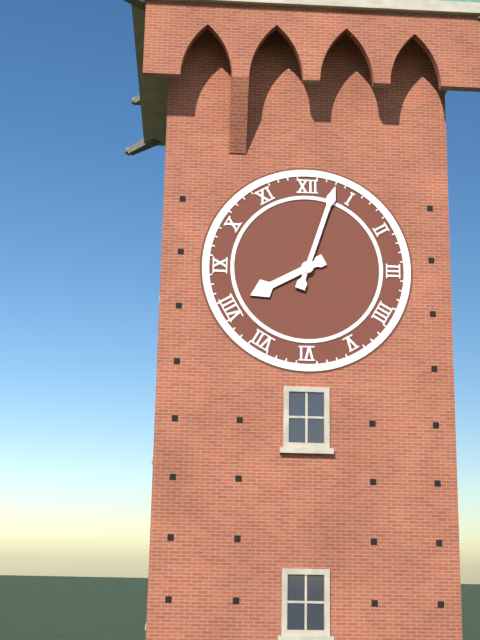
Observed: 8:03
